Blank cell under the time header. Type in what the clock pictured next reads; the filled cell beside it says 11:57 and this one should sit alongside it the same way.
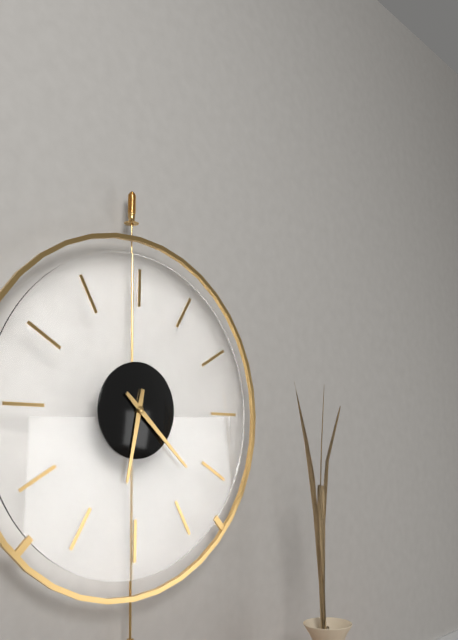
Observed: 6:22
